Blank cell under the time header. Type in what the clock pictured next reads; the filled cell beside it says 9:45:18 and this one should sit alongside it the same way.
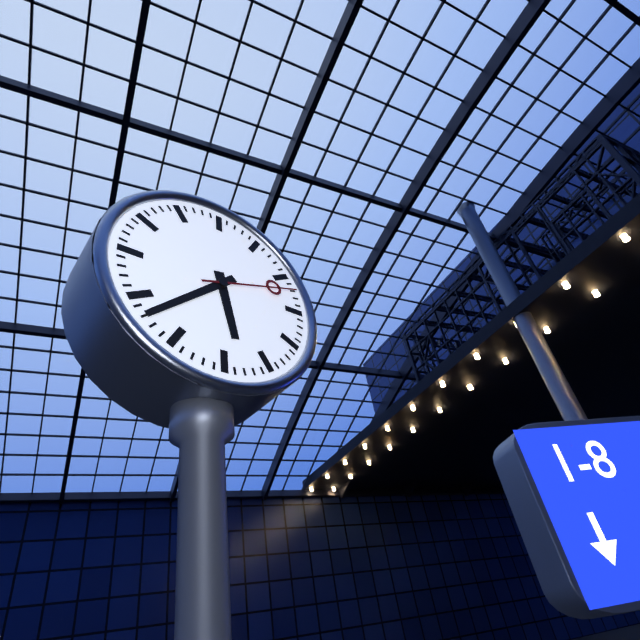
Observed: 5:38:12
